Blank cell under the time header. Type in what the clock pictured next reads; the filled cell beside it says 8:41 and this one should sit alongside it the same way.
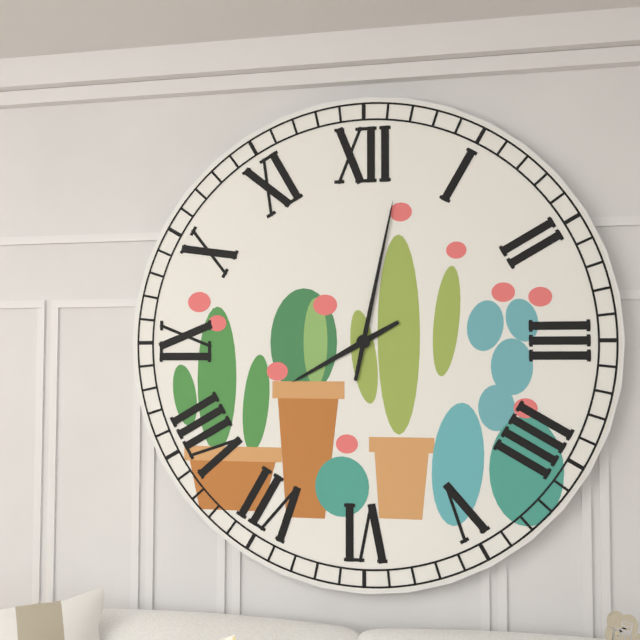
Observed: 8:02
